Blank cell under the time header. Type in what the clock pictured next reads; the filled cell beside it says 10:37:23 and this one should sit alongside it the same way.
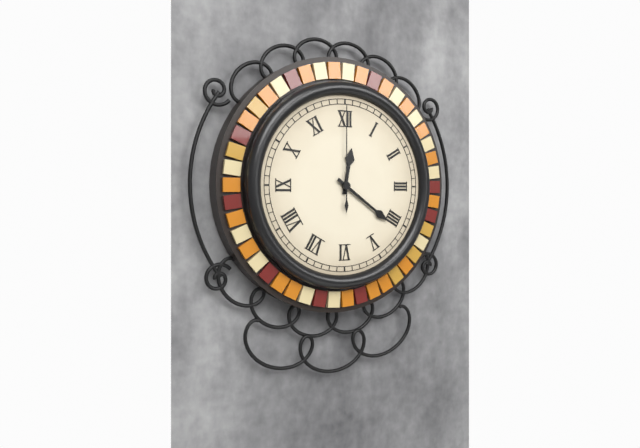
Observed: 12:21:00
